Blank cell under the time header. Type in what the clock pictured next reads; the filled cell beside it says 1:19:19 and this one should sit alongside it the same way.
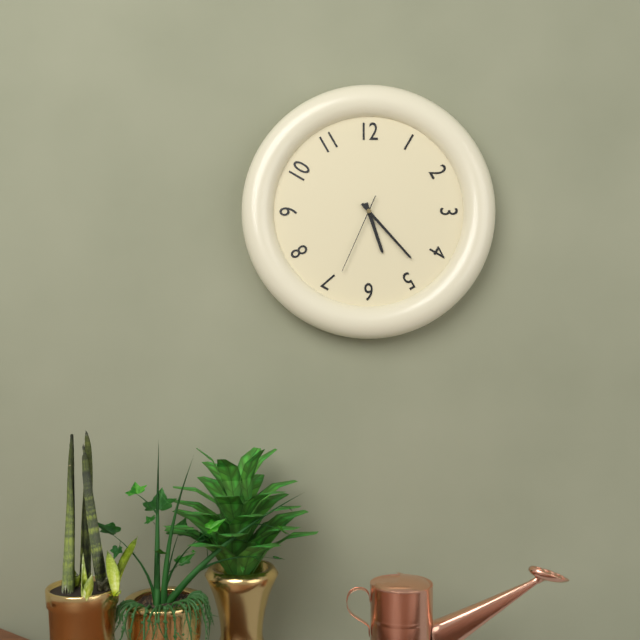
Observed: 5:23:34
